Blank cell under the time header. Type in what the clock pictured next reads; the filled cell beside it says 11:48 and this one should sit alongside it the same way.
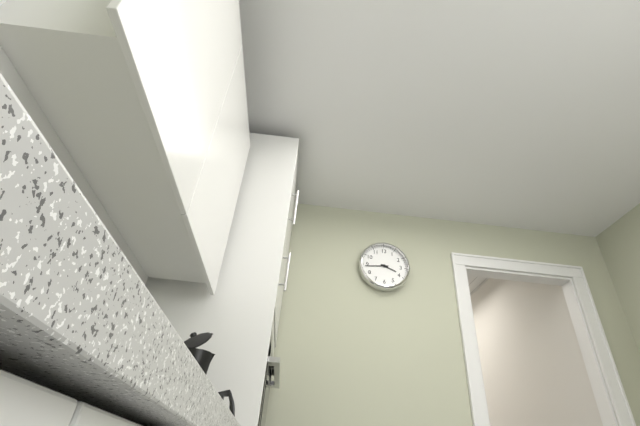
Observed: 3:44
